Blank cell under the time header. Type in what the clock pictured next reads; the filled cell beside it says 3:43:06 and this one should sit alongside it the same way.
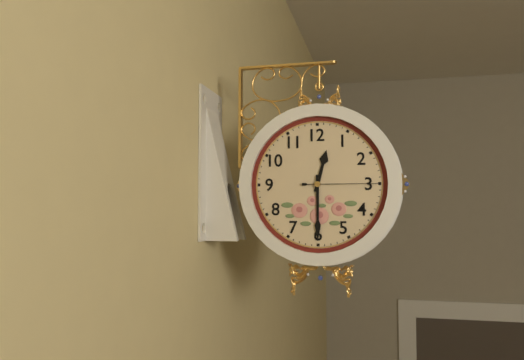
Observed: 12:30:15
